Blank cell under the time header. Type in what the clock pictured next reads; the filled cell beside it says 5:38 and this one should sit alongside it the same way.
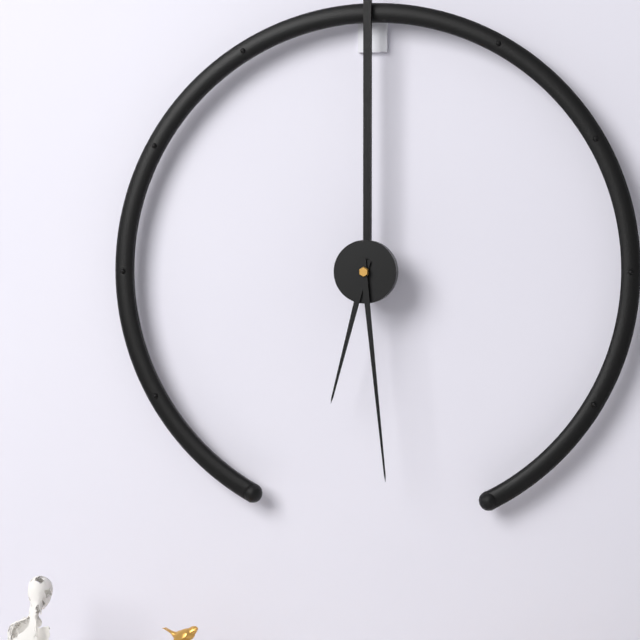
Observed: 6:29
